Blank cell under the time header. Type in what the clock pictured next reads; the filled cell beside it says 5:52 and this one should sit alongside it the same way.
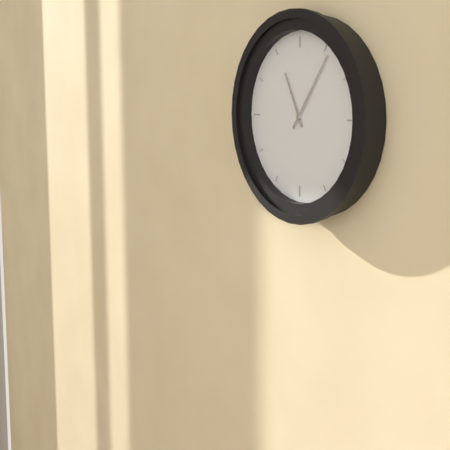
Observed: 11:06
